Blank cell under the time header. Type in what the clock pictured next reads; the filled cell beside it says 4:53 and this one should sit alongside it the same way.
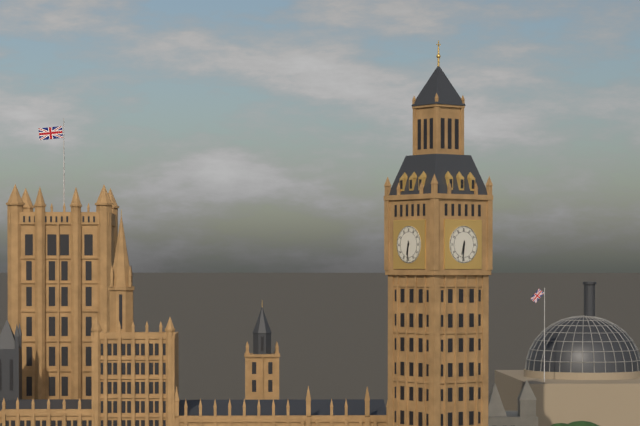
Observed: 6:31
